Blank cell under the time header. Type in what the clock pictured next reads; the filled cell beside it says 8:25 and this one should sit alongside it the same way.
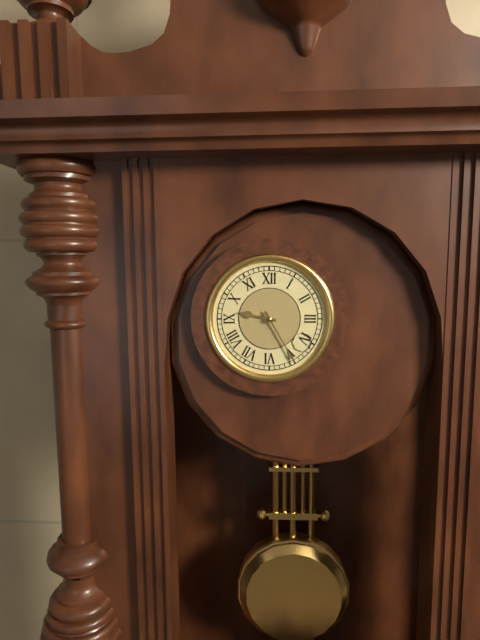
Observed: 9:25
